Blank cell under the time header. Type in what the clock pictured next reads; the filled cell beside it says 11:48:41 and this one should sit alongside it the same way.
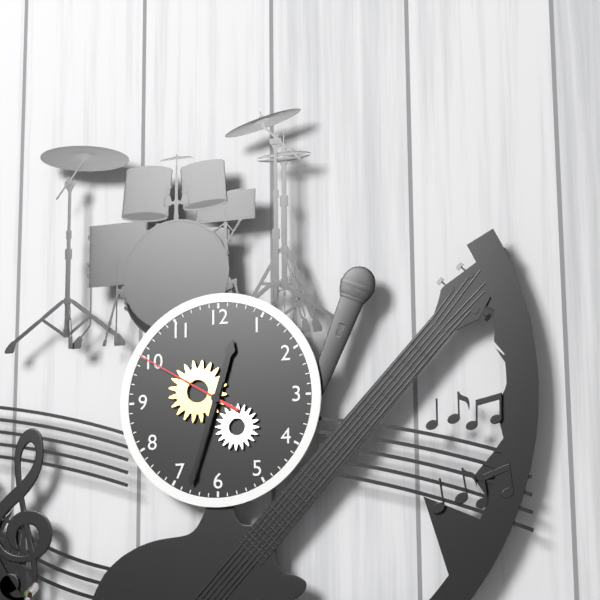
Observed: 12:33:50
